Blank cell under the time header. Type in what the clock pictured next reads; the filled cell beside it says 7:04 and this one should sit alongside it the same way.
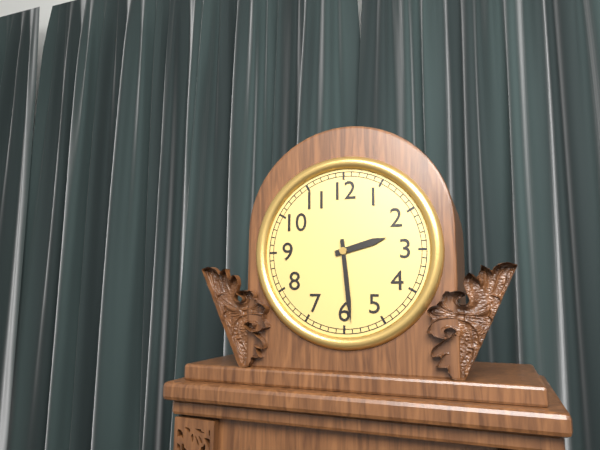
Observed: 2:29
